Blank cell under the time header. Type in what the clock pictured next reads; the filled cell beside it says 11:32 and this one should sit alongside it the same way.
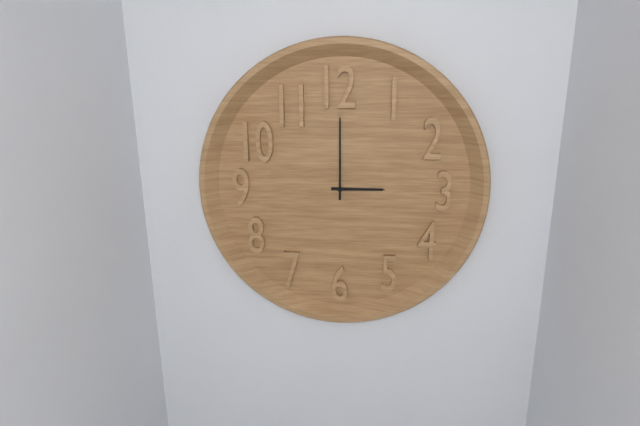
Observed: 3:00
